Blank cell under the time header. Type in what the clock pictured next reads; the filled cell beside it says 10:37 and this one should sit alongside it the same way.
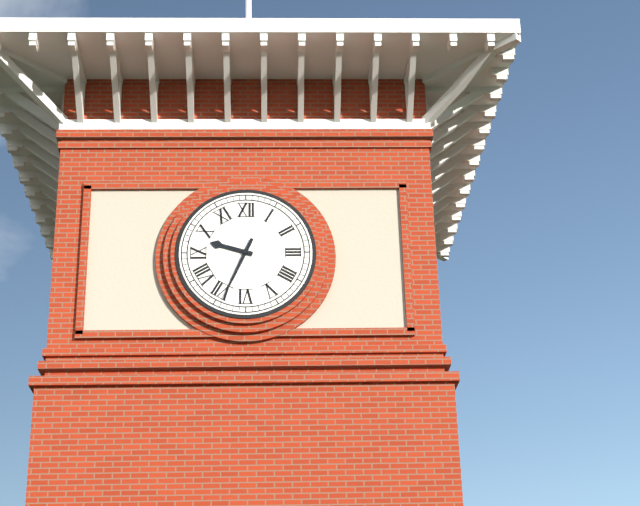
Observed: 9:34
